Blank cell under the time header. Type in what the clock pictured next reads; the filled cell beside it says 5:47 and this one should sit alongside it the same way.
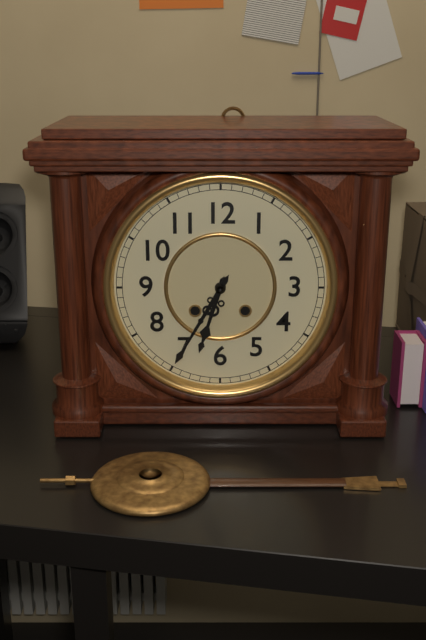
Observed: 6:35
